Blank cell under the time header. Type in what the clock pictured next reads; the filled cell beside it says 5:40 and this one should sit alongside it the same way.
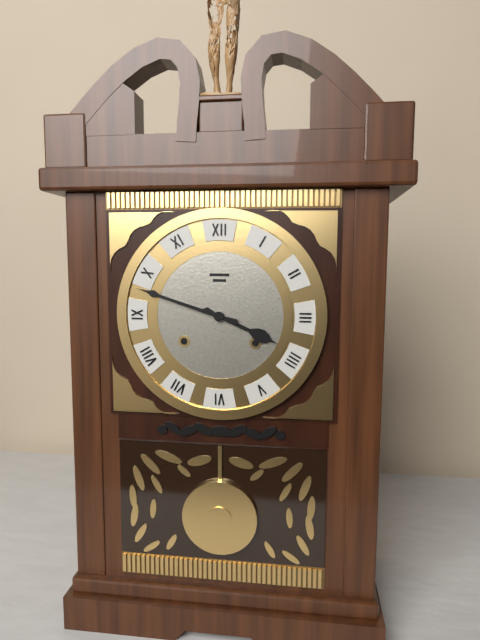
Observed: 3:48
